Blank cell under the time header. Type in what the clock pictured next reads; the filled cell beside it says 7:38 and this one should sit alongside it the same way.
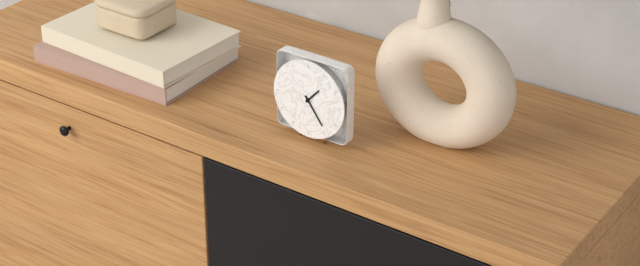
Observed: 1:24
